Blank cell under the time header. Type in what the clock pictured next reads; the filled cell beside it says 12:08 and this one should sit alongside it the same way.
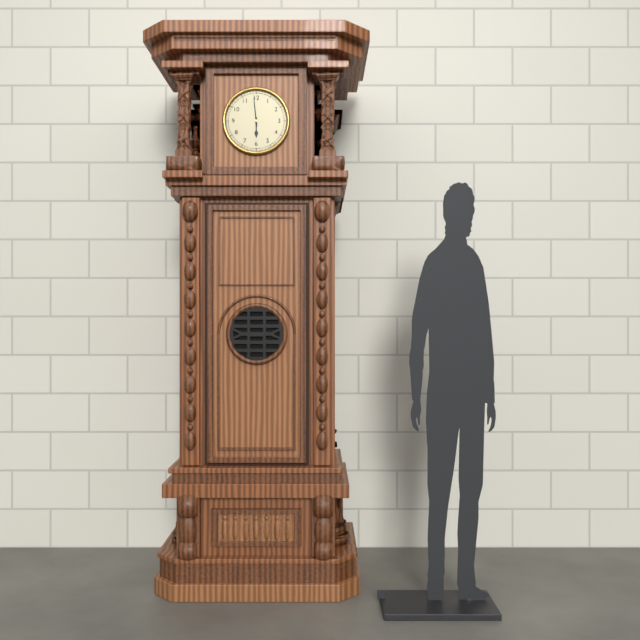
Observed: 5:59
